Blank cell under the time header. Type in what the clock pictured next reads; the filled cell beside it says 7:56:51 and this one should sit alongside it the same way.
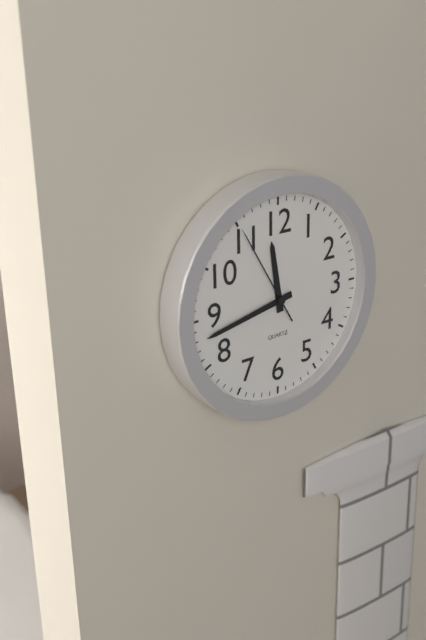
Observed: 11:43:55
